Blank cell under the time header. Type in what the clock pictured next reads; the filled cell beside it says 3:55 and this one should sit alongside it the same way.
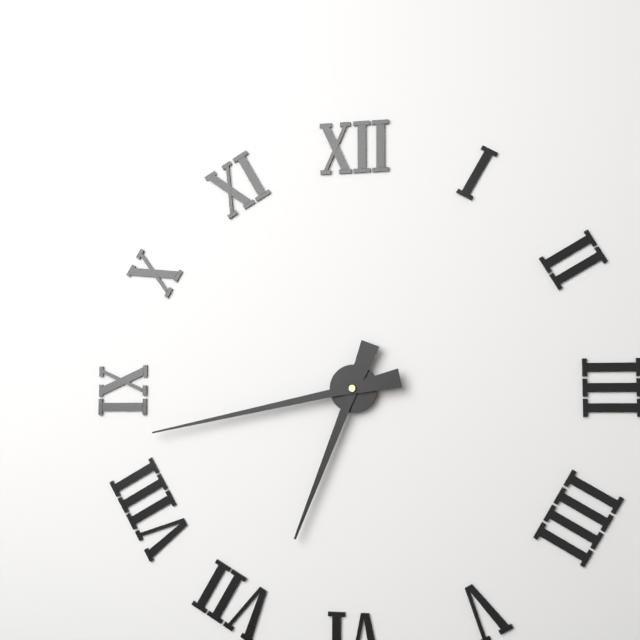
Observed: 6:43
